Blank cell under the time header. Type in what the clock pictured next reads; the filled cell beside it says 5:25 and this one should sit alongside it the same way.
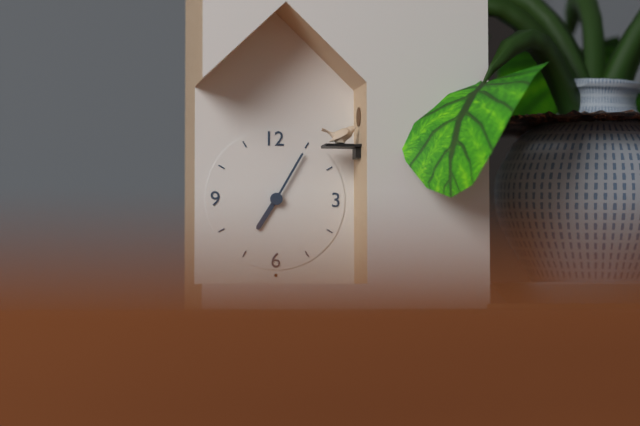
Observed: 7:05
